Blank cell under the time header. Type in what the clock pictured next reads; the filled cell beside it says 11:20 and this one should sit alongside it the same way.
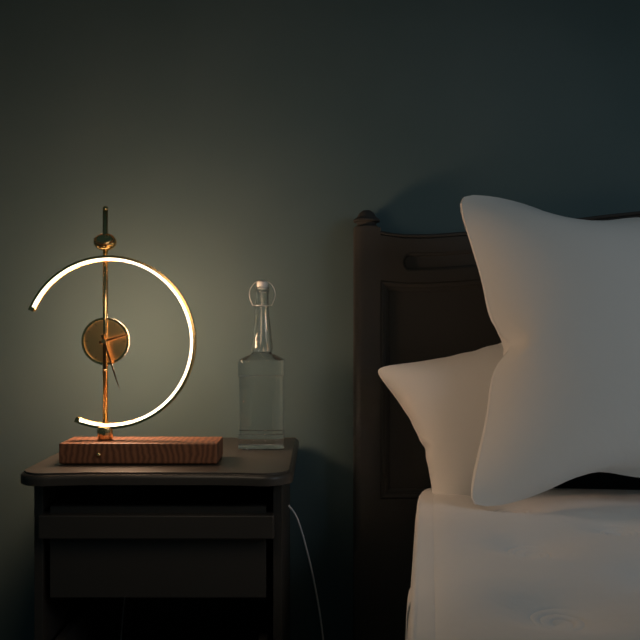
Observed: 2:27
